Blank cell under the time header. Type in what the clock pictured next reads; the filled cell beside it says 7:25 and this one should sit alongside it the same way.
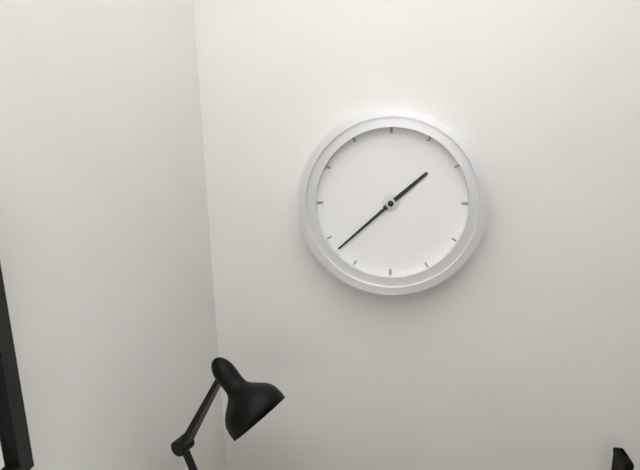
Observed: 1:38
